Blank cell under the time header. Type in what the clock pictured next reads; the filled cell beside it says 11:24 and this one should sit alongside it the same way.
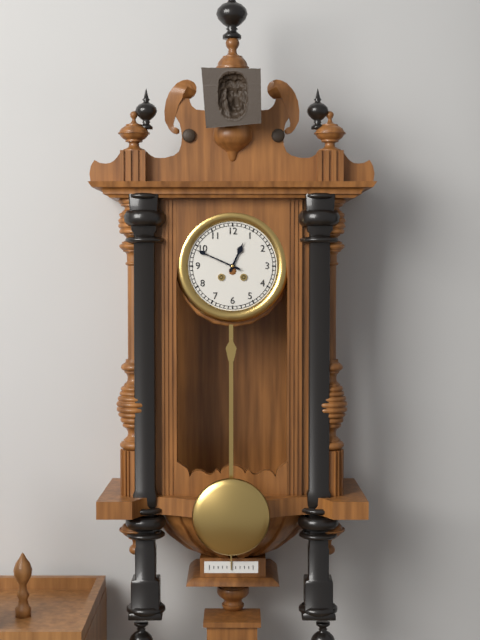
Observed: 12:49
